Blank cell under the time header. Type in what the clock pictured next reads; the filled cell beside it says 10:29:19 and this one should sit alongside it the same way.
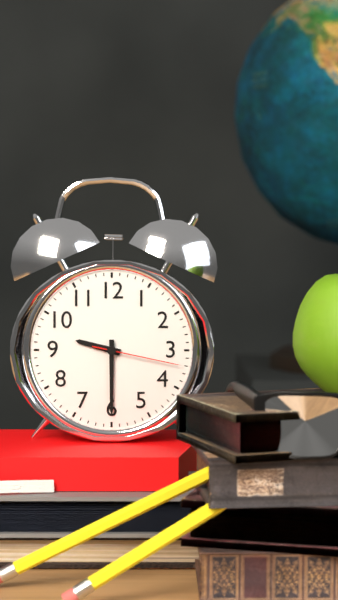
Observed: 9:30:17
